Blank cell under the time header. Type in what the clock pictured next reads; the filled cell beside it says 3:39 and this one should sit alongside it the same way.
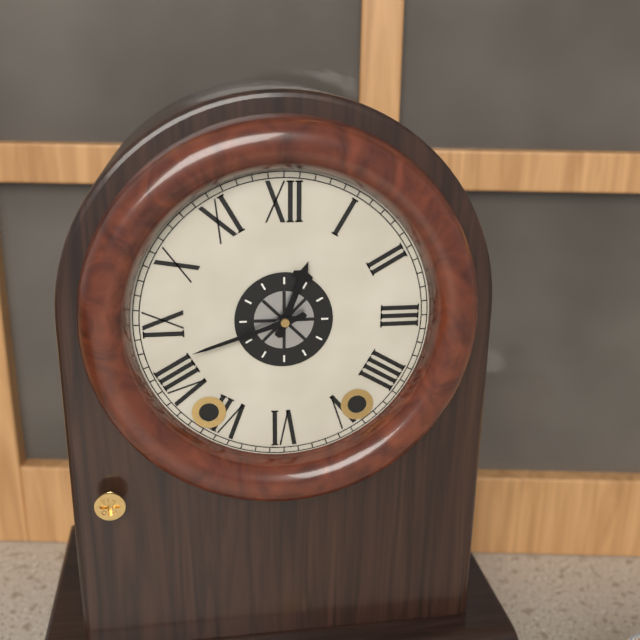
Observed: 12:42
